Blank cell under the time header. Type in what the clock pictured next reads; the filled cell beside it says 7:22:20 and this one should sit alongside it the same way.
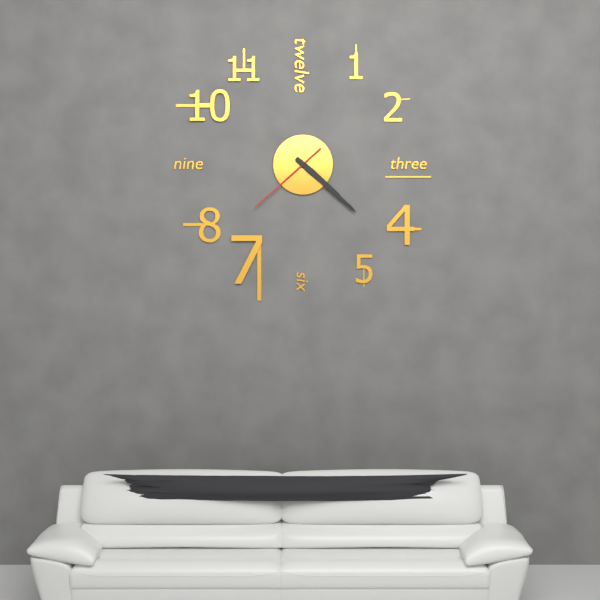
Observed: 4:22:38
